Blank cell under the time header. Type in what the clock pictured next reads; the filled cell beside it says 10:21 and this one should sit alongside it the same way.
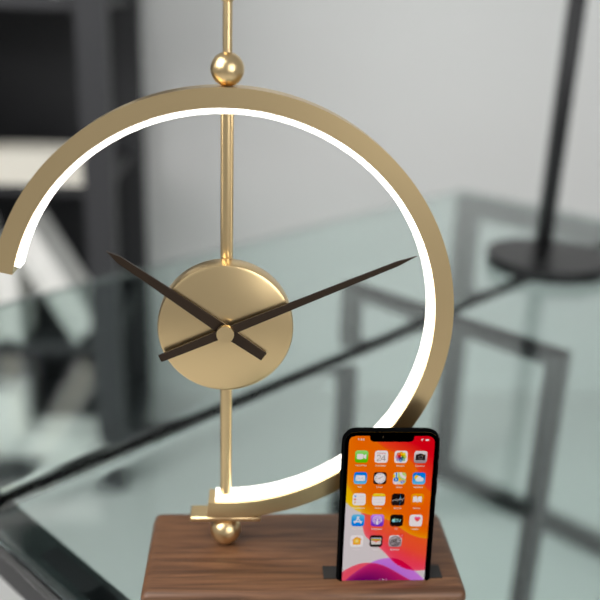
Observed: 10:11
